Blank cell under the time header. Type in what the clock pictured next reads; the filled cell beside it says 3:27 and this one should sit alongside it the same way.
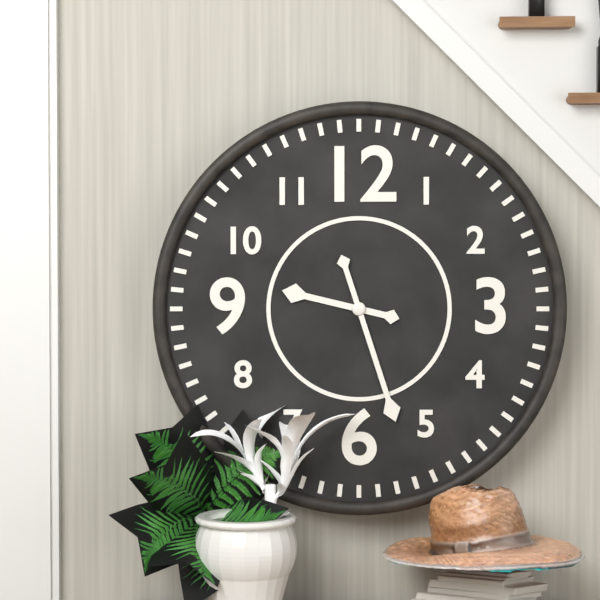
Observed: 9:27
